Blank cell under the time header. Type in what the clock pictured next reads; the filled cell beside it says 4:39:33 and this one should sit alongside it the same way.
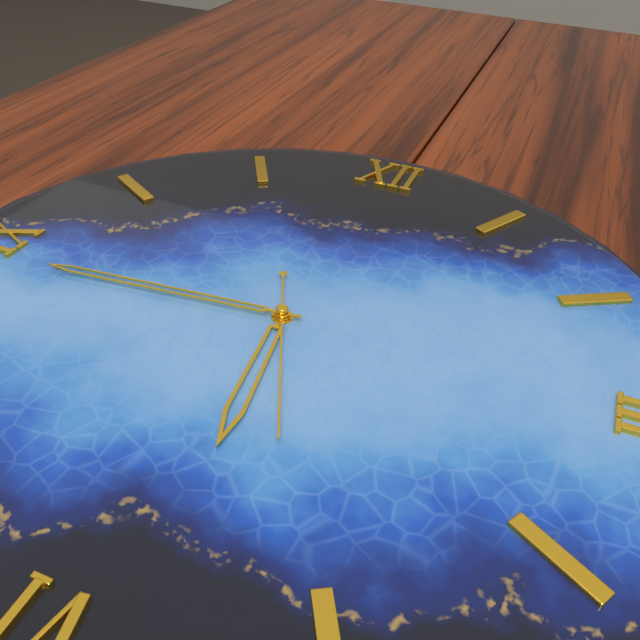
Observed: 5:44:26
